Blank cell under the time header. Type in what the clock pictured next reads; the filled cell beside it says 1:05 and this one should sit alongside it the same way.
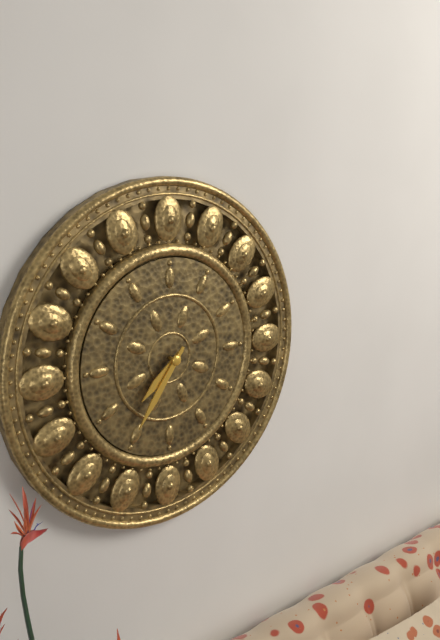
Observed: 7:36
